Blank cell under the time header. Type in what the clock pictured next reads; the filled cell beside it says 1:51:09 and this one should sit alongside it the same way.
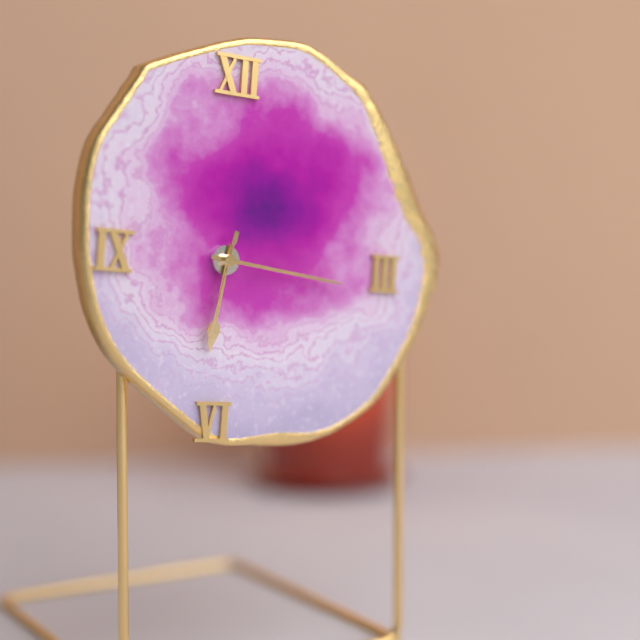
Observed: 6:16:32
